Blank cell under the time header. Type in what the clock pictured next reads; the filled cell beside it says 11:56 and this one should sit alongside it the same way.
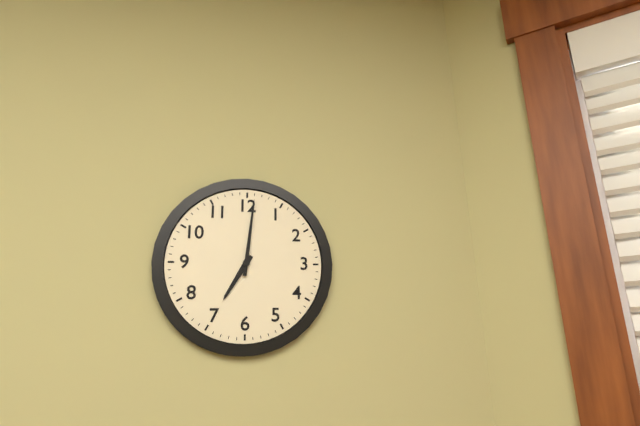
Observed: 7:01
